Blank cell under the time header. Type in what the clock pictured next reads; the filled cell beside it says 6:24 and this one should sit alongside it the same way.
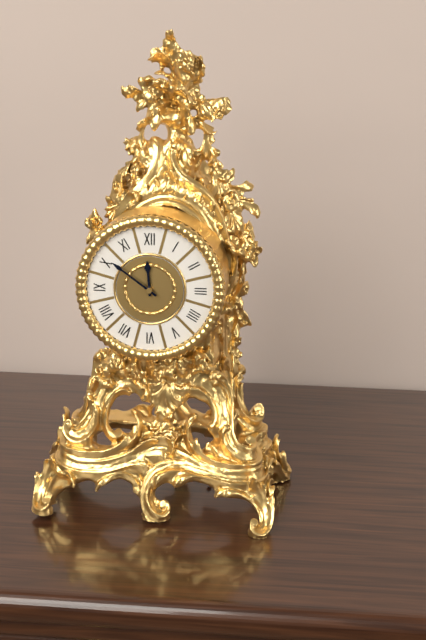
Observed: 11:51
